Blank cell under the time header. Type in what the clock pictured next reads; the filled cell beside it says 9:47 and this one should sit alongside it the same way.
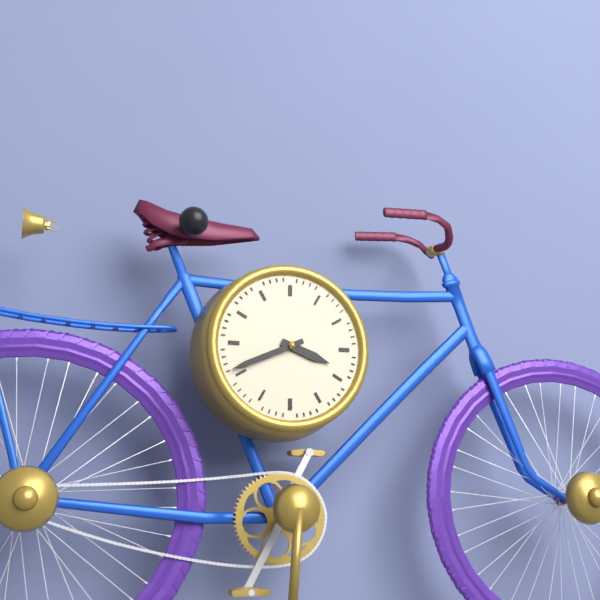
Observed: 3:41
